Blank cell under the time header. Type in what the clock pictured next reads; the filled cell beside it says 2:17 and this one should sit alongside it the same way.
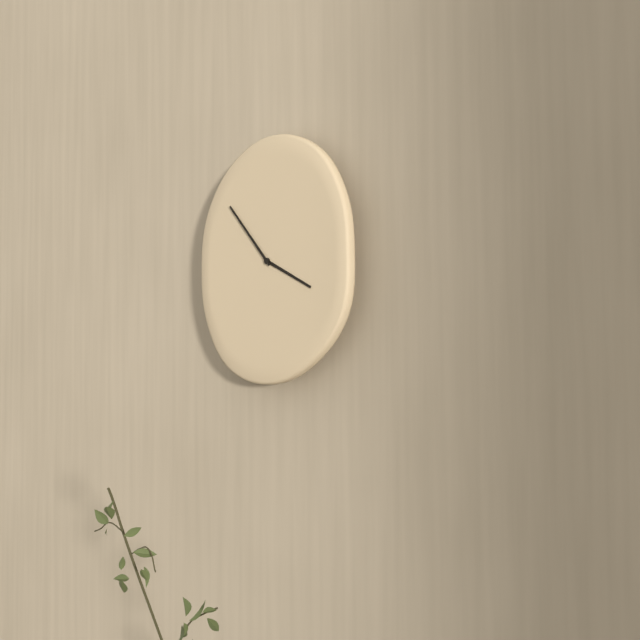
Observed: 3:53
